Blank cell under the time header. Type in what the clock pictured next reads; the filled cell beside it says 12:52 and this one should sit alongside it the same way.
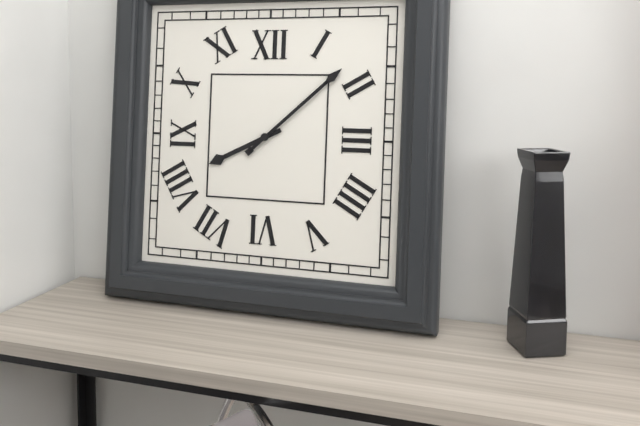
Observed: 8:08
